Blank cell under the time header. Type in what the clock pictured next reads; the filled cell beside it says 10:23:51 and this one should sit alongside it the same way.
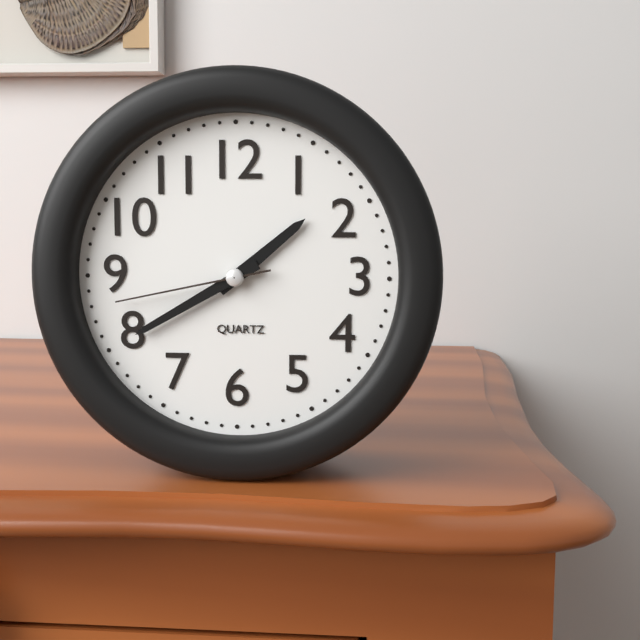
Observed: 1:40:43
